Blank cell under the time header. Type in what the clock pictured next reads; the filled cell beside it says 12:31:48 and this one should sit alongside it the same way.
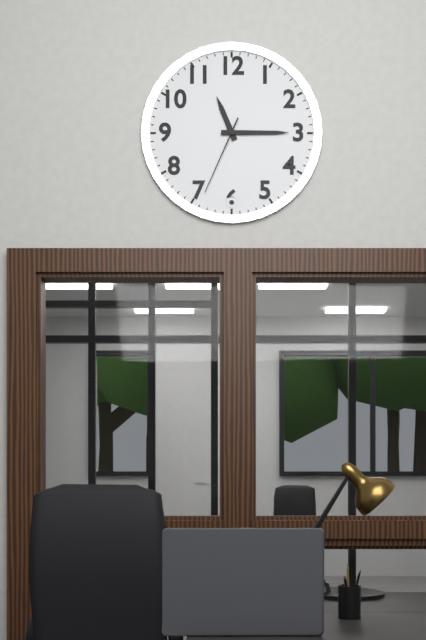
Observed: 11:15:34
